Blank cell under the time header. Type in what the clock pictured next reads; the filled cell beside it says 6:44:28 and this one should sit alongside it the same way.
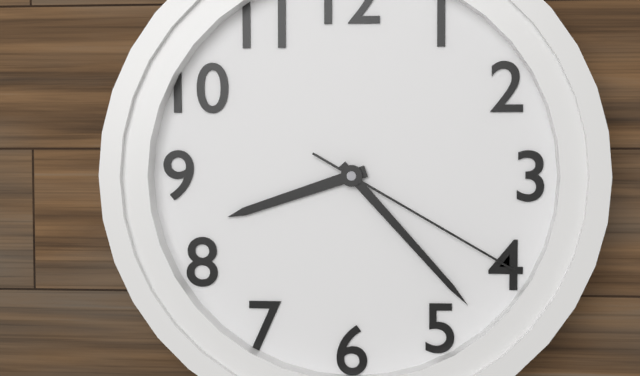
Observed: 8:23:20
